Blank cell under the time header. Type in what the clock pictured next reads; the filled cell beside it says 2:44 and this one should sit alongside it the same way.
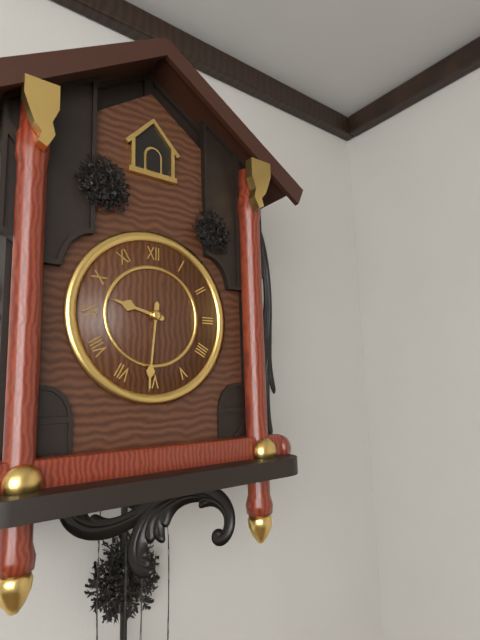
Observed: 9:31
